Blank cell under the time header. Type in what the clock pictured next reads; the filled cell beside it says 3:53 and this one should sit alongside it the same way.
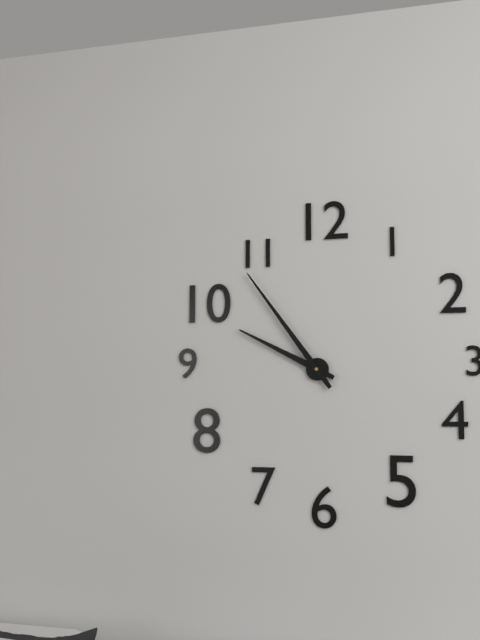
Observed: 9:54
